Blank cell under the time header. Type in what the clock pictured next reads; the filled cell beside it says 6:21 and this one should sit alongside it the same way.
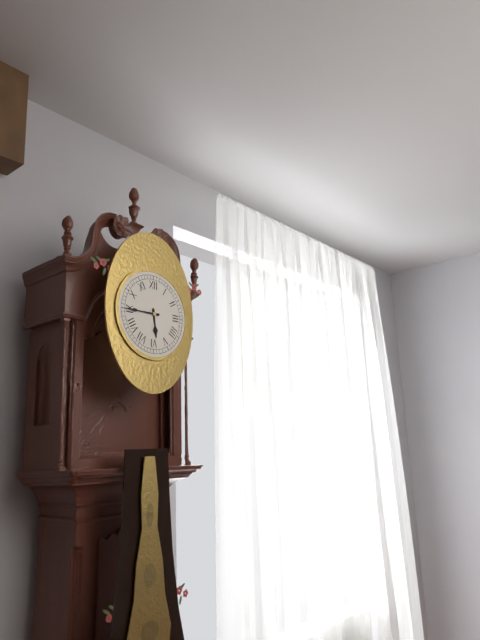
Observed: 5:45
